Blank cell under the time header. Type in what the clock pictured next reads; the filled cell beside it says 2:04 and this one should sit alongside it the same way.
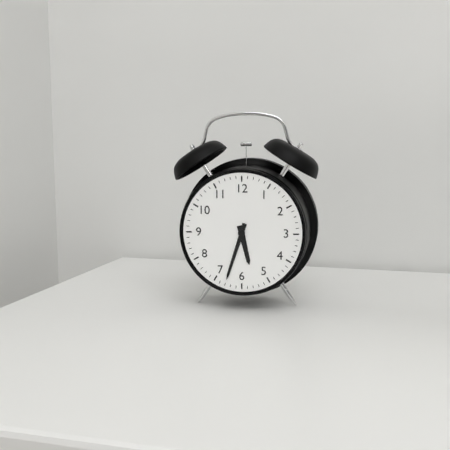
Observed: 5:33
